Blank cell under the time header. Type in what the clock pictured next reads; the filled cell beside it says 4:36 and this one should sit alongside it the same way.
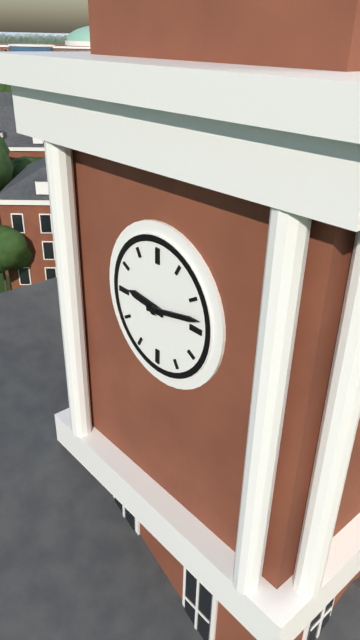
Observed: 9:13
